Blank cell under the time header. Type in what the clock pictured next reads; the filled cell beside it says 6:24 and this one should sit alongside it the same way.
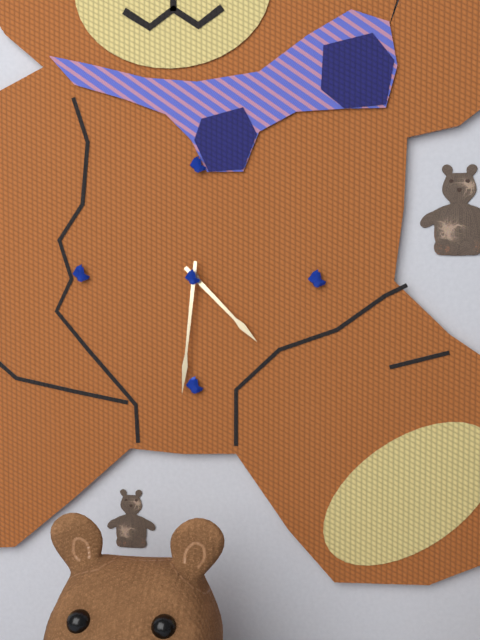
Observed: 4:31
